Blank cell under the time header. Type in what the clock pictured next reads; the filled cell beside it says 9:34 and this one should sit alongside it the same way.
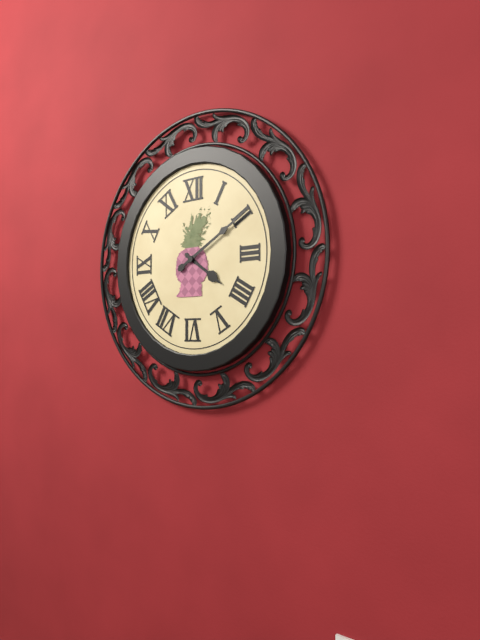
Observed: 4:10
